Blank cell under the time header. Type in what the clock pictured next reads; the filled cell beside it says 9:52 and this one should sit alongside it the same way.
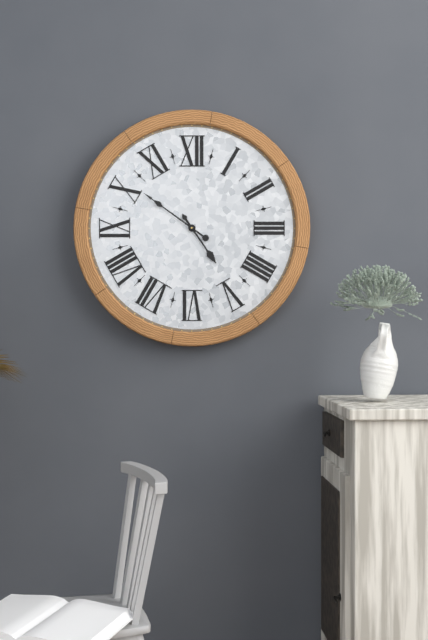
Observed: 4:51
